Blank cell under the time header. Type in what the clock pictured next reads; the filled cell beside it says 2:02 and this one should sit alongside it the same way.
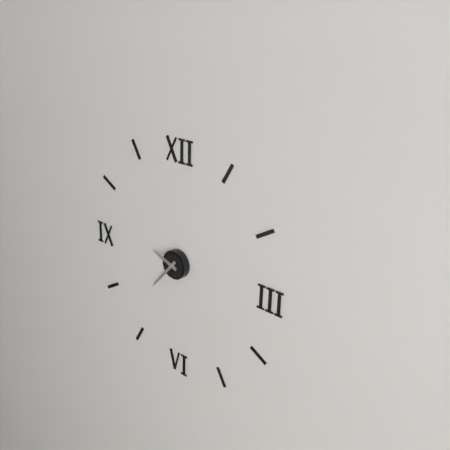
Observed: 9:37
